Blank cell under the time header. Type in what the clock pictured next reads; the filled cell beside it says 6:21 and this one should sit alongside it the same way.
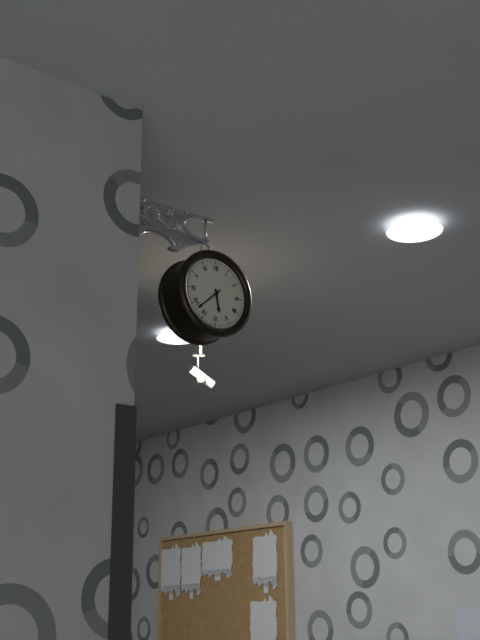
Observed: 5:38
